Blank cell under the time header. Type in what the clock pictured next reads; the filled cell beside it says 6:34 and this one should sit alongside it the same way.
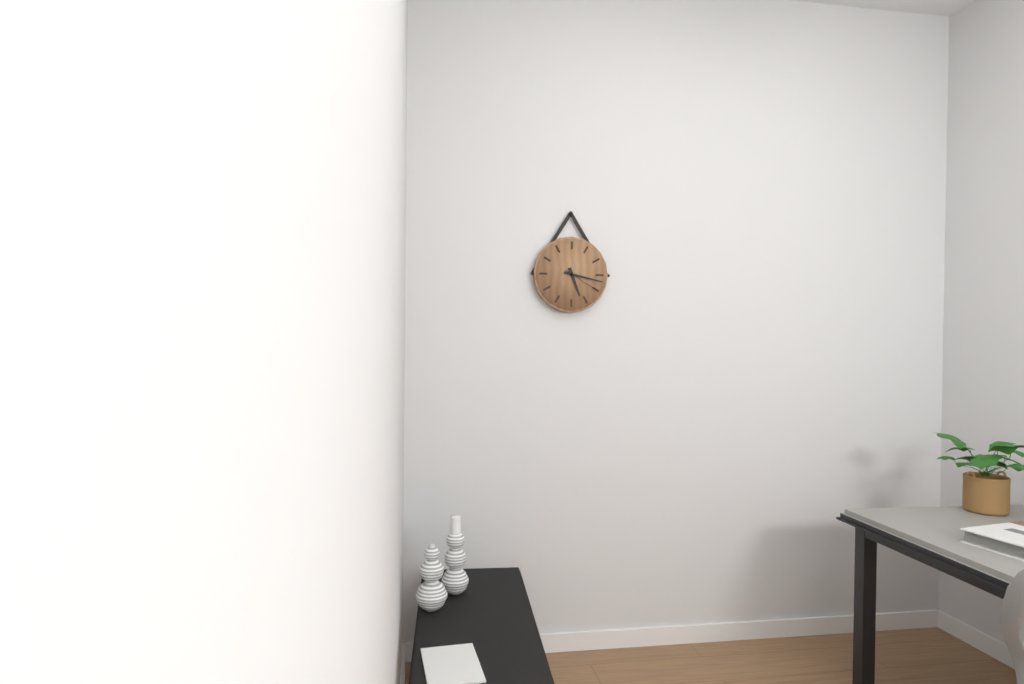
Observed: 5:17
